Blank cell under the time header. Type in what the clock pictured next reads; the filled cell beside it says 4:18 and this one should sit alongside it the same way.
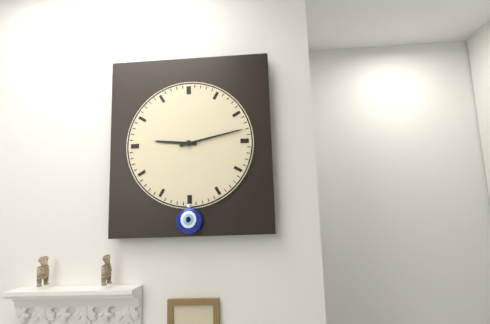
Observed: 9:13
